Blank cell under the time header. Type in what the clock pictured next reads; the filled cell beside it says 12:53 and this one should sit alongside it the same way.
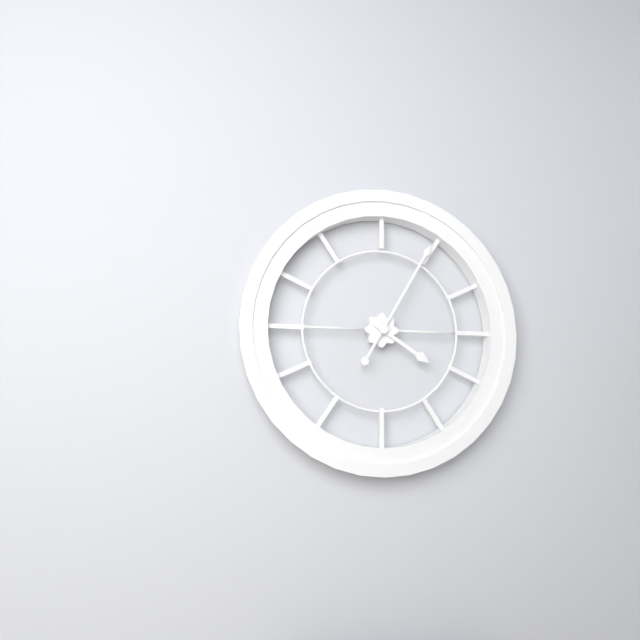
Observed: 4:05
